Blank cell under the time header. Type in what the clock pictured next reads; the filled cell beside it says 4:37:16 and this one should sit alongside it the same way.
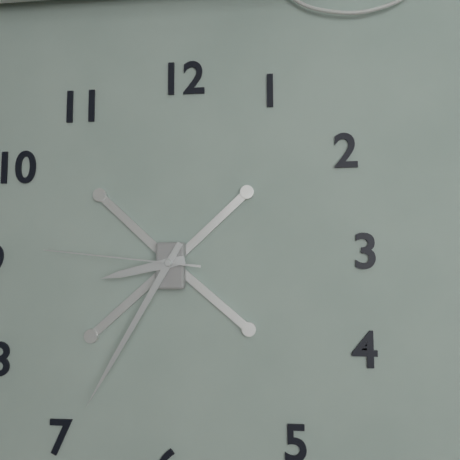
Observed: 8:35:46
